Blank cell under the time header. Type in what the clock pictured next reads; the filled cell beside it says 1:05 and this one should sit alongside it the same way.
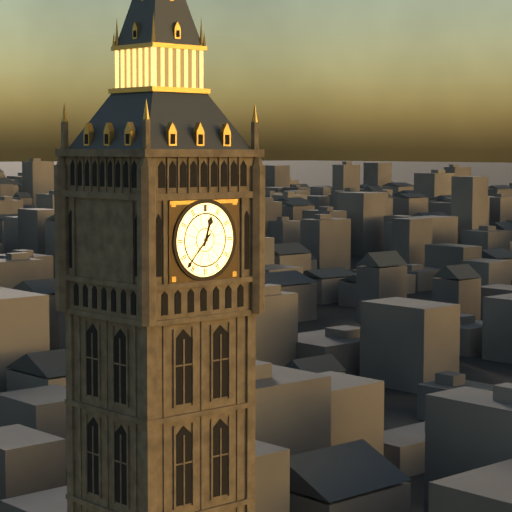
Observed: 12:37
